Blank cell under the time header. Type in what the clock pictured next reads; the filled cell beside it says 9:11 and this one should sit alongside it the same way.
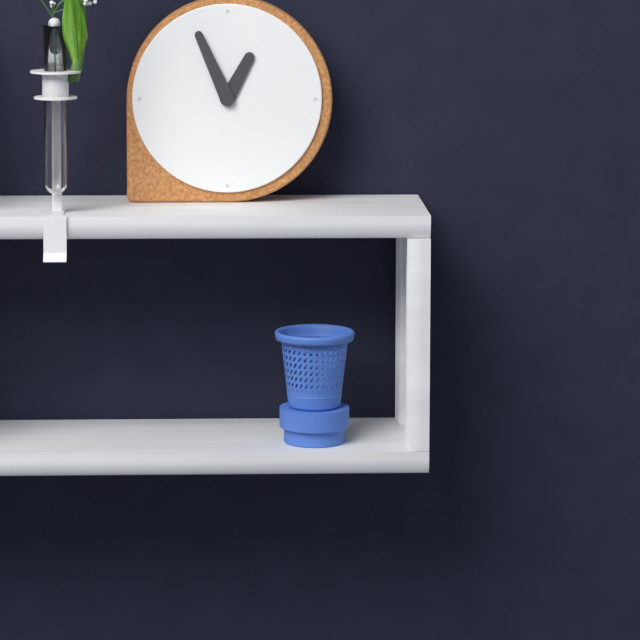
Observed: 12:56
